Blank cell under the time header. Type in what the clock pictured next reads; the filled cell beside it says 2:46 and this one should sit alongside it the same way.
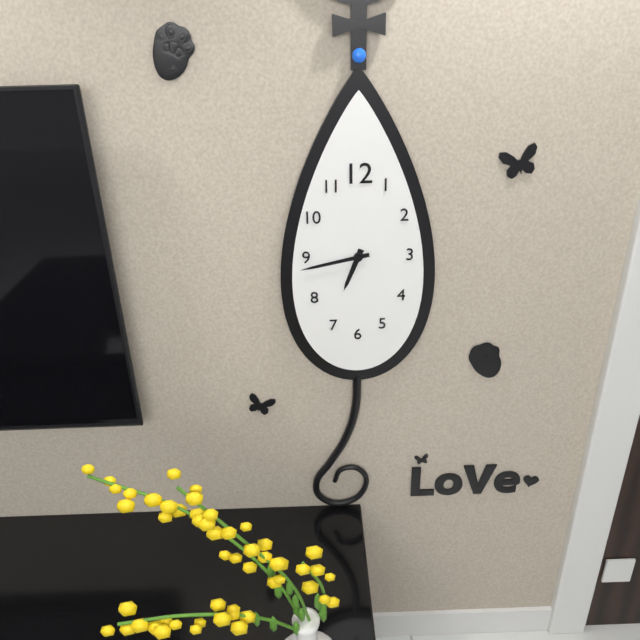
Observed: 6:43
